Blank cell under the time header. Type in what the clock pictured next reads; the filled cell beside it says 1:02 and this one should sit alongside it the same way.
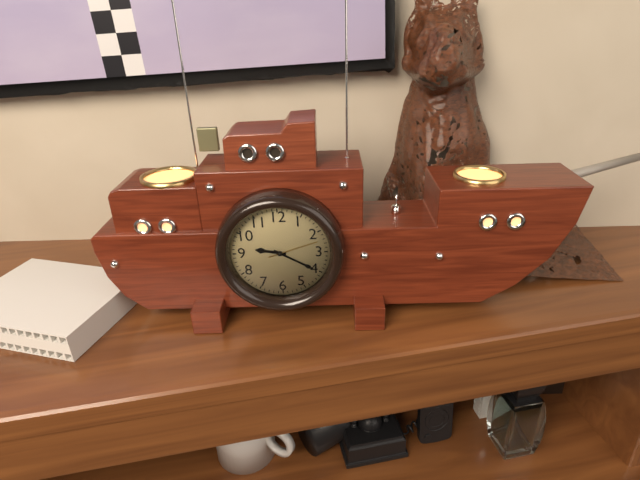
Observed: 9:20
